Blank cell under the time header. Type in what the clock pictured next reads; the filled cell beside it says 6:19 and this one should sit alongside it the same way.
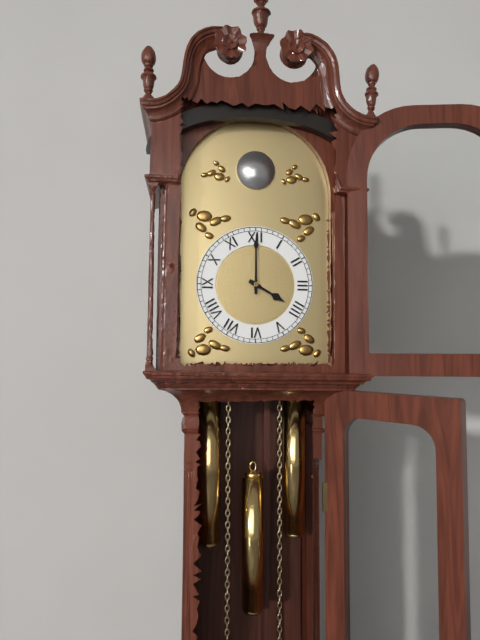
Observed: 4:00
